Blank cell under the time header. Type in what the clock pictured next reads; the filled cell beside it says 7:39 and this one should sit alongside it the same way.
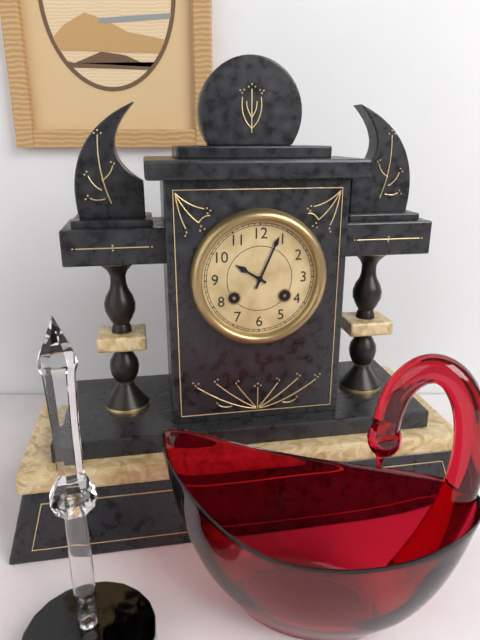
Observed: 10:04
